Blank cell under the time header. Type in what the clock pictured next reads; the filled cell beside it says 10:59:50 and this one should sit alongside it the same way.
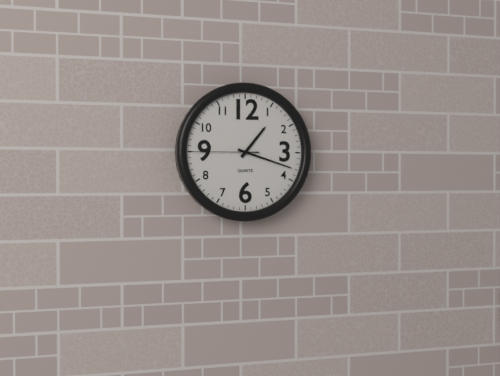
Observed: 1:18:45
